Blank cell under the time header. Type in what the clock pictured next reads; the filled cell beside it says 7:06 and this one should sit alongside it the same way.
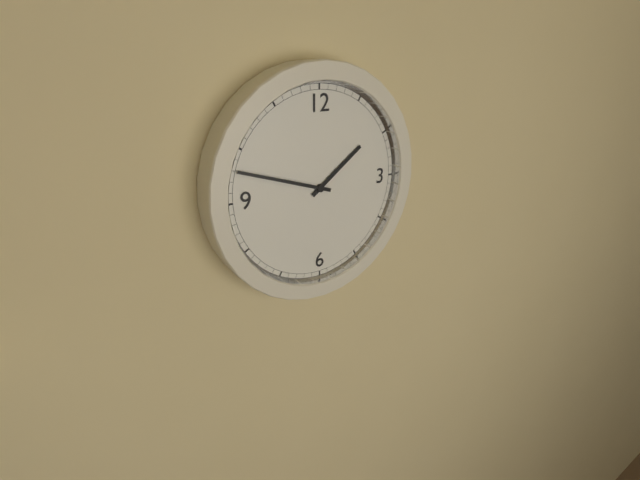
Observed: 1:48
